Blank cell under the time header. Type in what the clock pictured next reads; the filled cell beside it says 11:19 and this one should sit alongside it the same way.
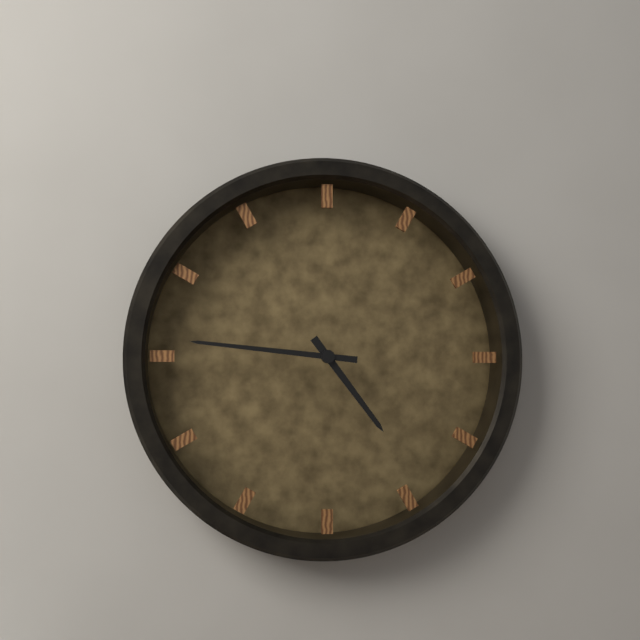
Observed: 4:46
